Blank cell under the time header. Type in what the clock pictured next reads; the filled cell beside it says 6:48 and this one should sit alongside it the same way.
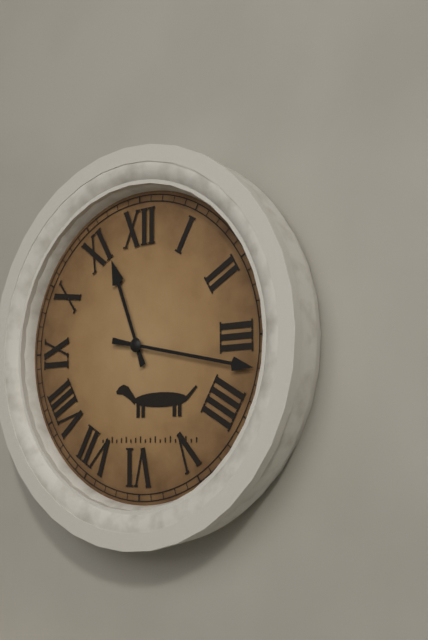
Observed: 11:17
